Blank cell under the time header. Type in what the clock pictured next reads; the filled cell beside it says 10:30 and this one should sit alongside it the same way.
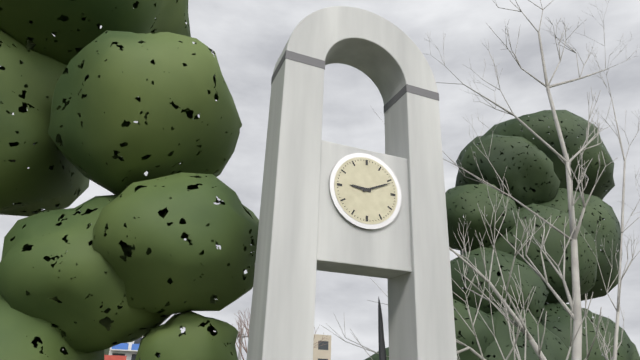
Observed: 9:11
